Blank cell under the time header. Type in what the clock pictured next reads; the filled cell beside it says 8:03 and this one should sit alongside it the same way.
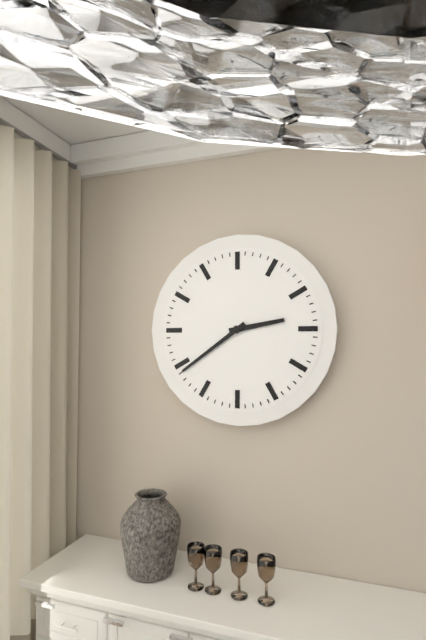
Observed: 2:39
